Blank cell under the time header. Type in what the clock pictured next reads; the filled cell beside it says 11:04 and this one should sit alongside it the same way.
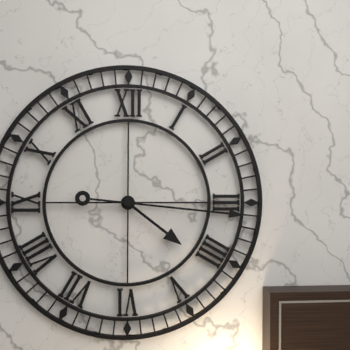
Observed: 4:16
